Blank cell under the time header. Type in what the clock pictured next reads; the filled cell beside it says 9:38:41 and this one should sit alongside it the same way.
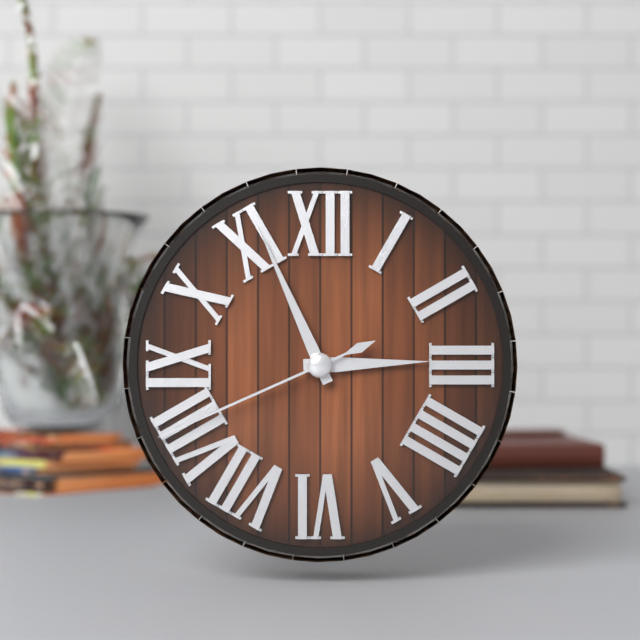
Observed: 2:56:41
